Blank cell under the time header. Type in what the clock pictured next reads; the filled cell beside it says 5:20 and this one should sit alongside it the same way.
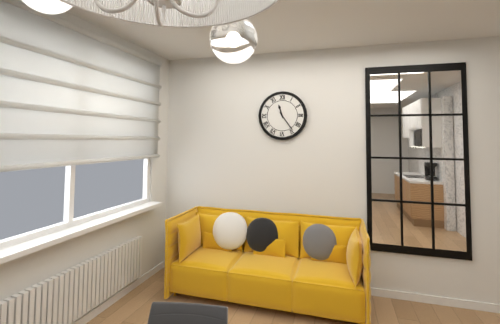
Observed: 11:24
